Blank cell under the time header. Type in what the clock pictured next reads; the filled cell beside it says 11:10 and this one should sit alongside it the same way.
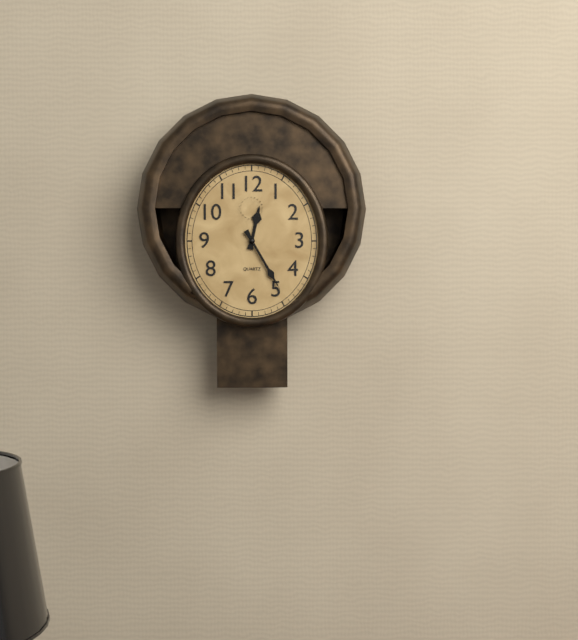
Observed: 12:25
